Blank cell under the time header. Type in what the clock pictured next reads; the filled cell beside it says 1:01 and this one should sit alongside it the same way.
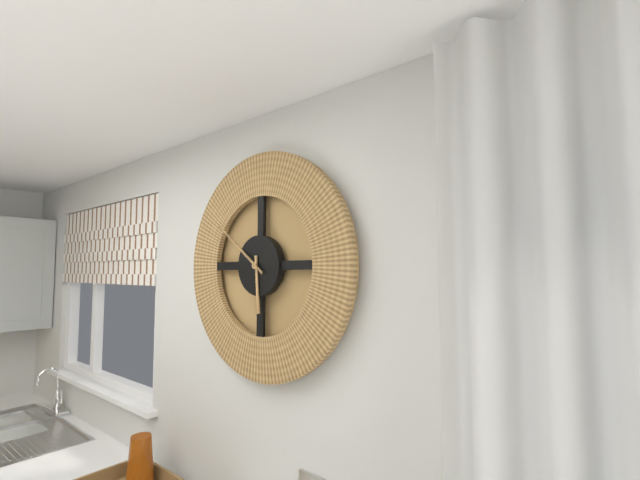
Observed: 5:51
